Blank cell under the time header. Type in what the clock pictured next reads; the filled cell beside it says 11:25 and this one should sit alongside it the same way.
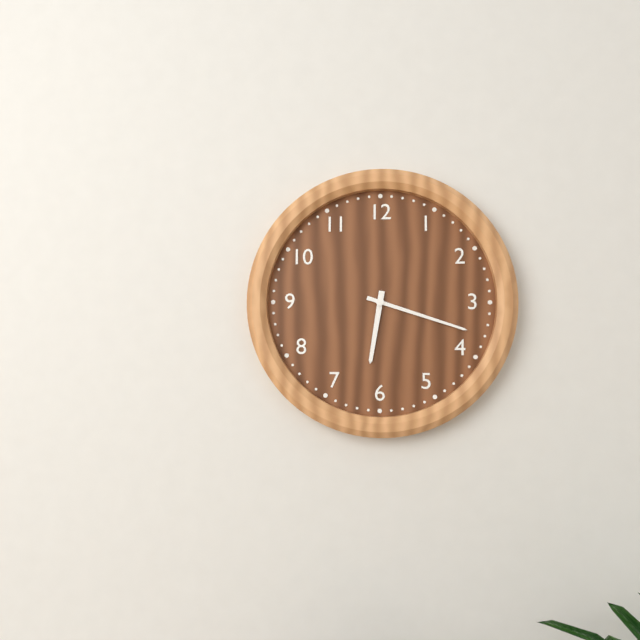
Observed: 6:18
